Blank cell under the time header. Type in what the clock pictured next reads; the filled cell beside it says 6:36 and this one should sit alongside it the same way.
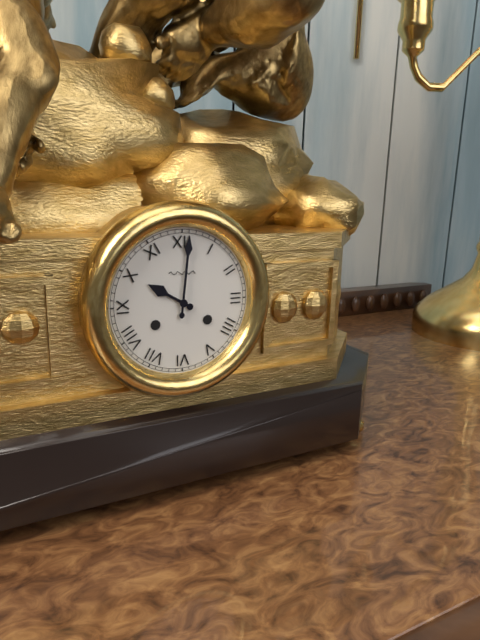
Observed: 10:01
